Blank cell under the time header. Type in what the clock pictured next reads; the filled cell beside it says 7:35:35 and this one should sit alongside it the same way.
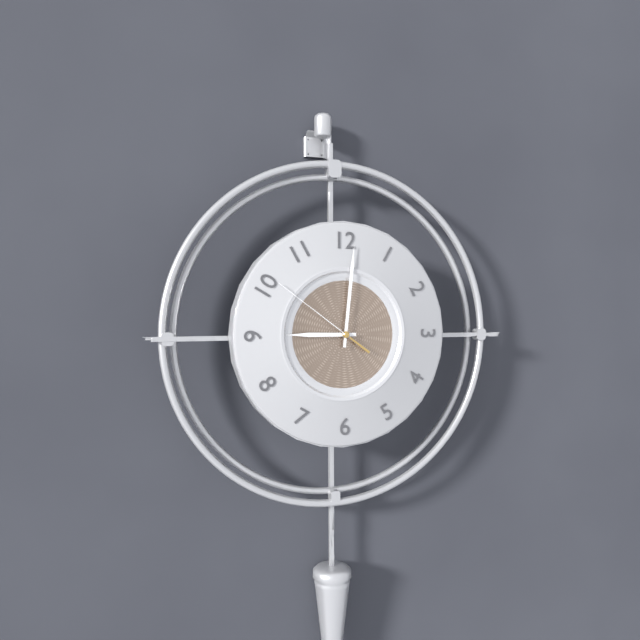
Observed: 9:01:51
